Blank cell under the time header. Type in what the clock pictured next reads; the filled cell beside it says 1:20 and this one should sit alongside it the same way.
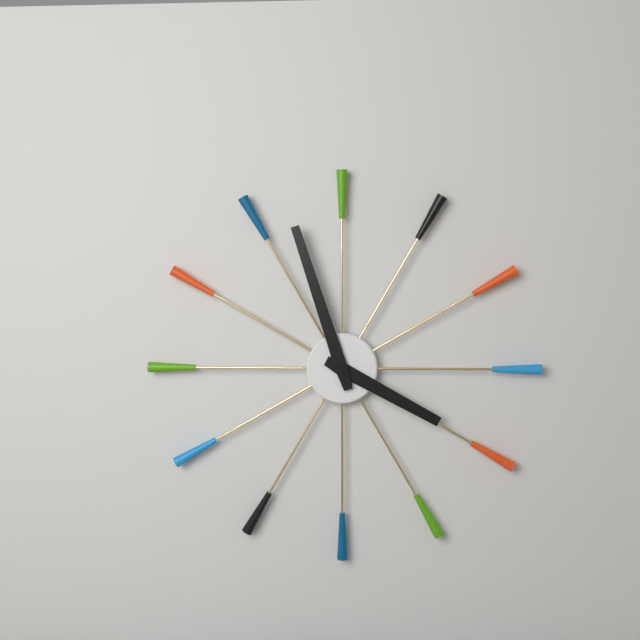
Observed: 3:57
